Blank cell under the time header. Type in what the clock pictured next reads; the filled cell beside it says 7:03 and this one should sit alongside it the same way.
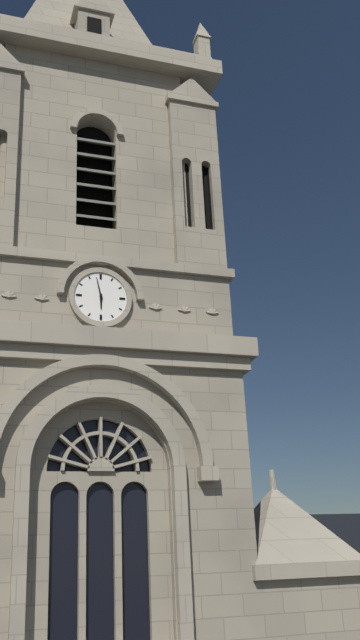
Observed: 5:58
